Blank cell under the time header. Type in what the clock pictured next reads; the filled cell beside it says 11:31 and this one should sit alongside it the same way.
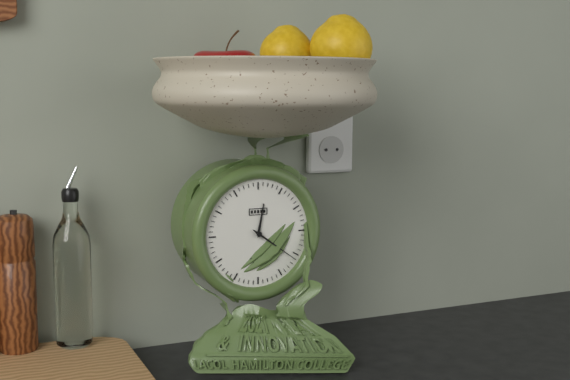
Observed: 12:21
